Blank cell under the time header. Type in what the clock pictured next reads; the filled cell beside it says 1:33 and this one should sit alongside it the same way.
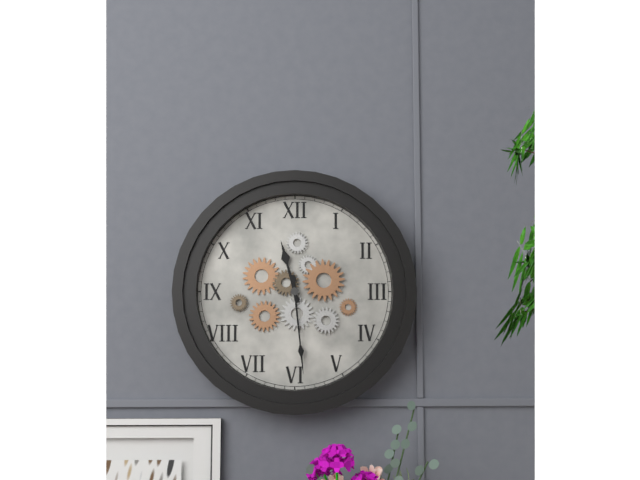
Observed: 11:29
